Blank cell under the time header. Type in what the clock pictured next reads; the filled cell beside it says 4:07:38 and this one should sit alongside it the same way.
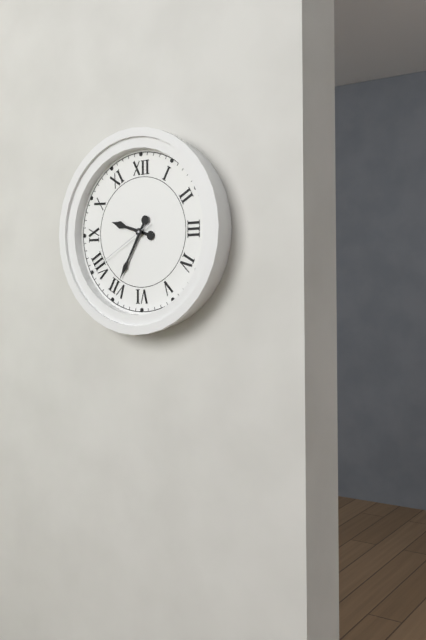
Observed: 9:35:40
